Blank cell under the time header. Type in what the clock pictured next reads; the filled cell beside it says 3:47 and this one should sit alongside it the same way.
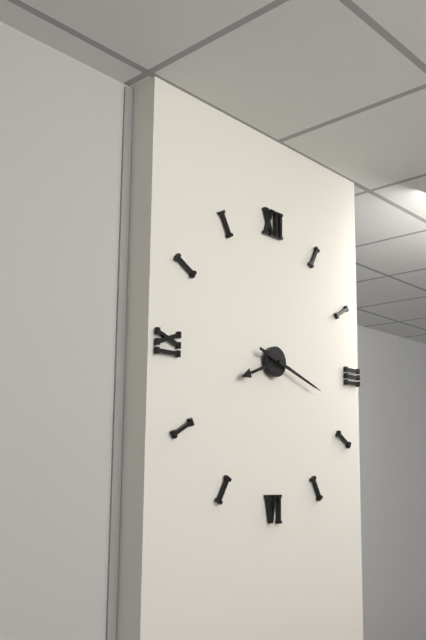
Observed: 8:18
